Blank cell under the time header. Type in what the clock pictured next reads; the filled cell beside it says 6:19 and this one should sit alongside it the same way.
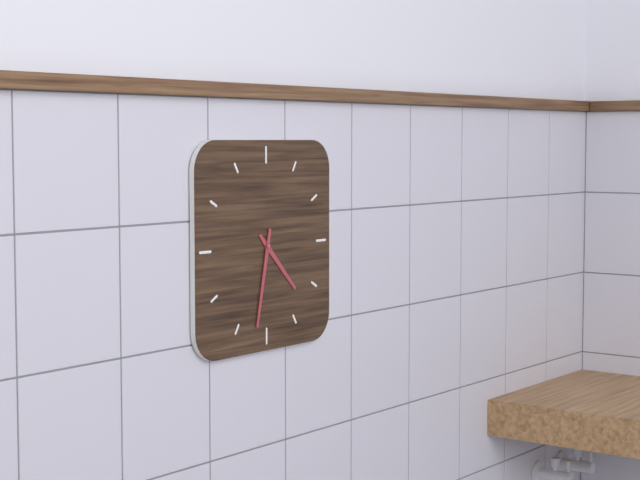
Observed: 4:32
